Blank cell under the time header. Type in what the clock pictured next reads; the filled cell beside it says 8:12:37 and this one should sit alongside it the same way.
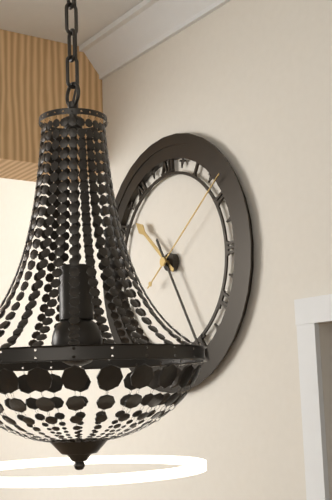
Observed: 10:25:09
